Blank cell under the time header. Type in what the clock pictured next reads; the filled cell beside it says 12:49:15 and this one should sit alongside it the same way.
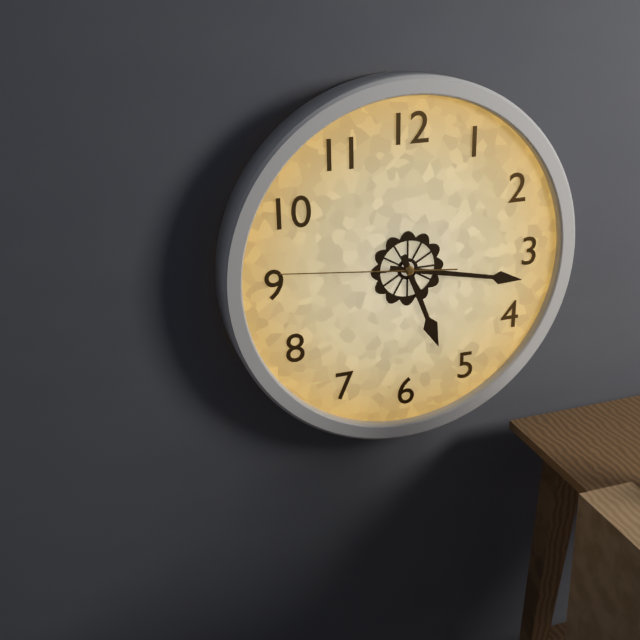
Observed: 5:17:46
